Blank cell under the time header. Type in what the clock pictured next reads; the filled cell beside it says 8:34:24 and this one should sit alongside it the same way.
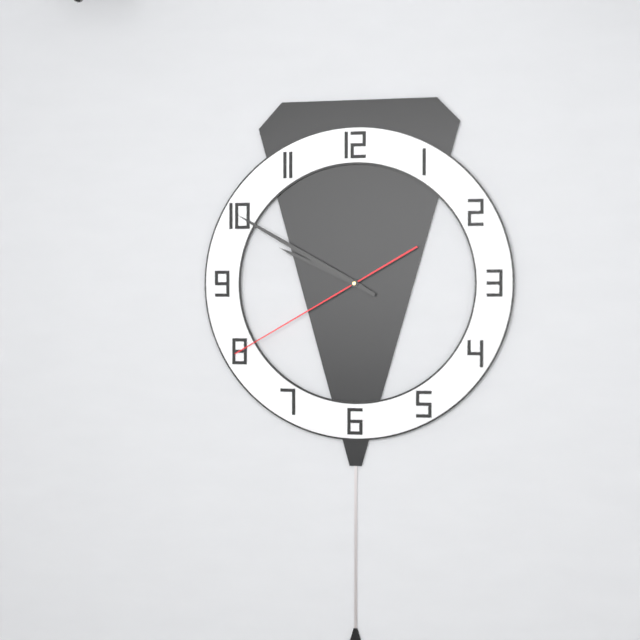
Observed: 9:50:40
